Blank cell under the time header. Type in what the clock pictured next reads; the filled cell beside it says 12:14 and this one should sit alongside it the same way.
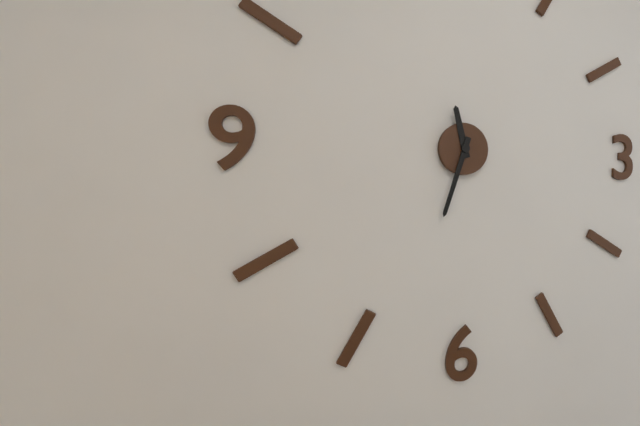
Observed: 11:33
